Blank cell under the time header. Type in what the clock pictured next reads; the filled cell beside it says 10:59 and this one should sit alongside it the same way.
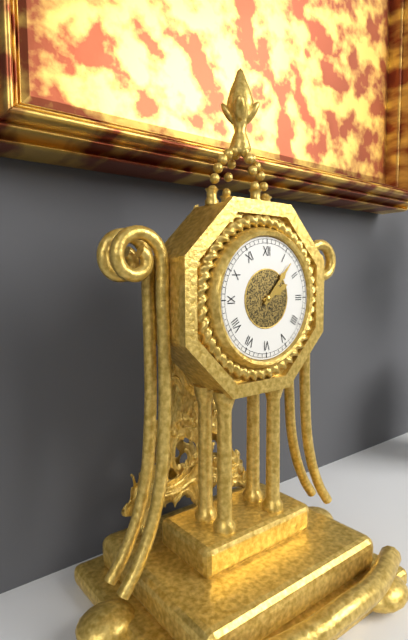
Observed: 2:07
